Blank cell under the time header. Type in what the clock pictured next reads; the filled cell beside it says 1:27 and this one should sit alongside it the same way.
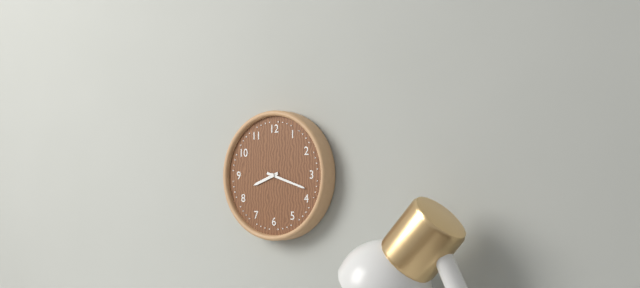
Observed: 8:18
